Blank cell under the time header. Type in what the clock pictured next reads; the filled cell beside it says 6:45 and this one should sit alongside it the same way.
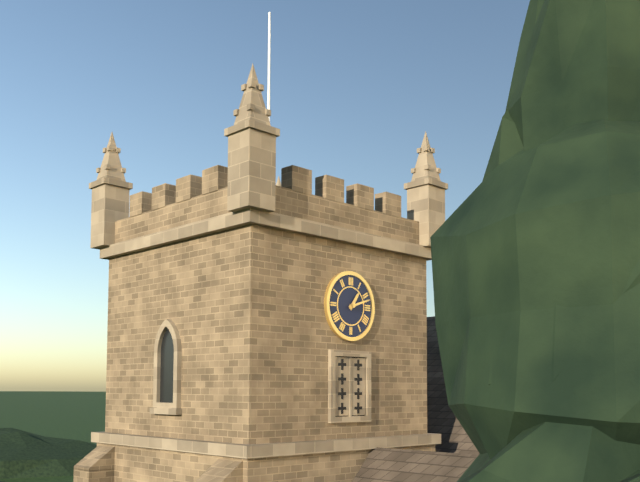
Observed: 1:12
